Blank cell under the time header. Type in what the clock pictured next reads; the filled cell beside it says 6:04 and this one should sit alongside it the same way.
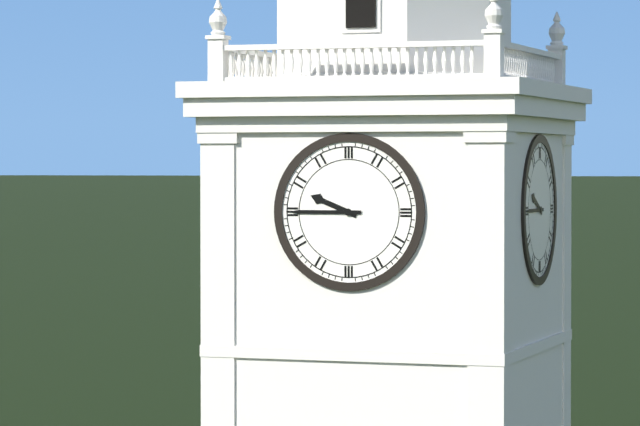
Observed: 9:45
